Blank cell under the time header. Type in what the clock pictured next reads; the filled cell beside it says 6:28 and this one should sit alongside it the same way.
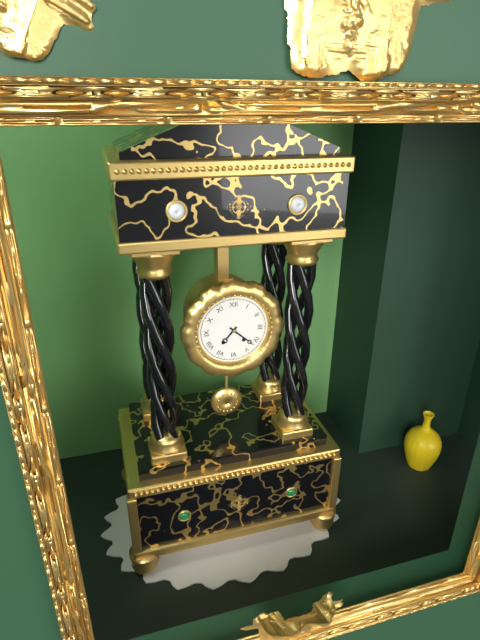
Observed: 7:22
